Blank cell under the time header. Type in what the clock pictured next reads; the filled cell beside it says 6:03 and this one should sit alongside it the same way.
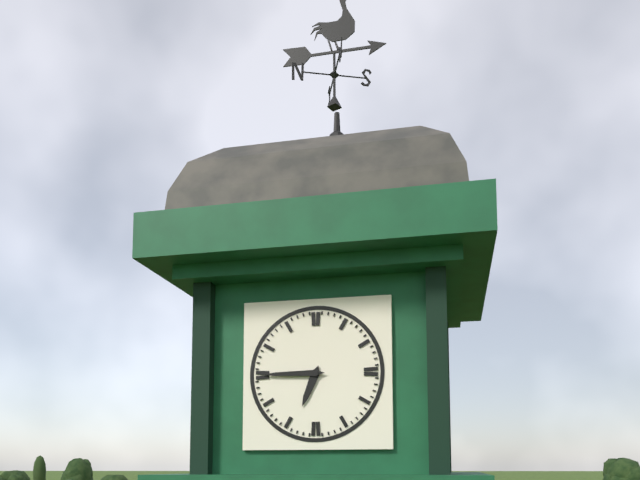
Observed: 6:45
